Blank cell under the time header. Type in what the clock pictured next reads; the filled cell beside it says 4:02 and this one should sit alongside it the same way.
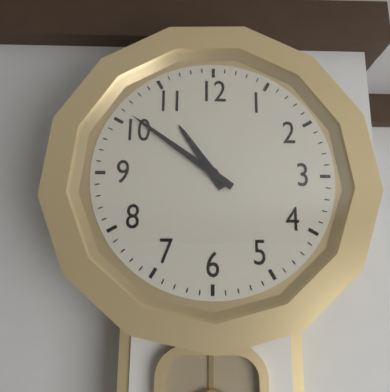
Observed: 10:51
